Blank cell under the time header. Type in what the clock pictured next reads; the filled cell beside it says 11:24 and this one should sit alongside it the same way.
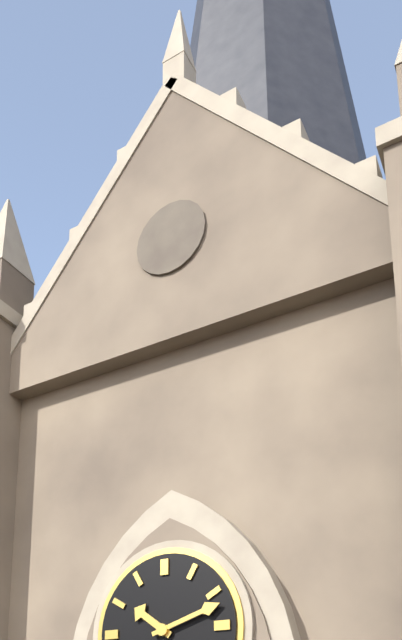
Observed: 10:12
